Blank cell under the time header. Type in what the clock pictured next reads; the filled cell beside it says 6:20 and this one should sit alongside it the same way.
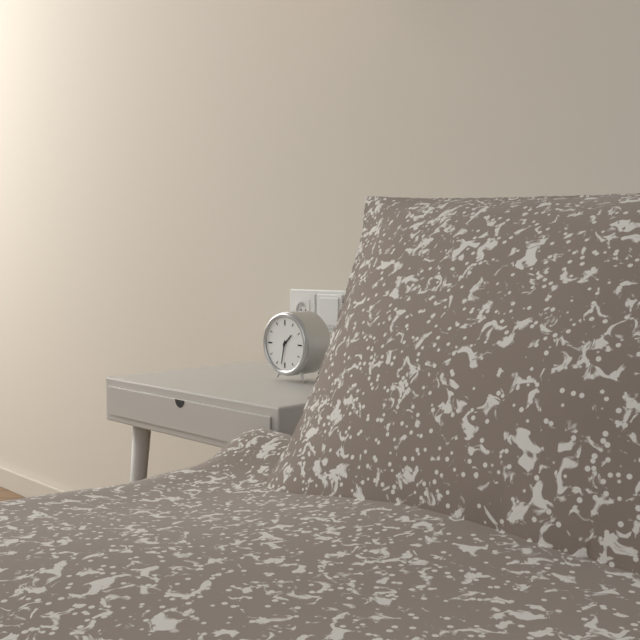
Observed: 1:32
